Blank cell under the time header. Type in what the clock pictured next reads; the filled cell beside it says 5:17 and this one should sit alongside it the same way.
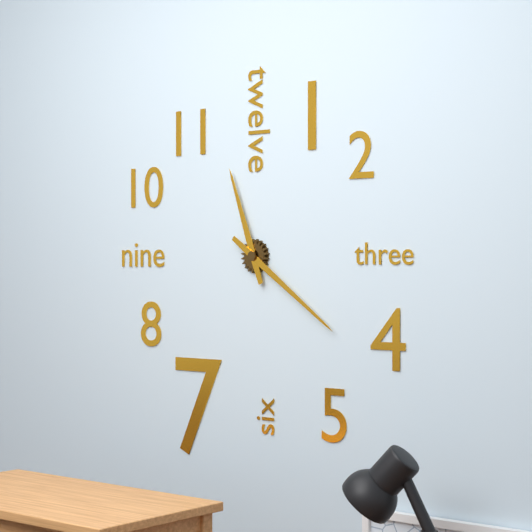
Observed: 11:21
